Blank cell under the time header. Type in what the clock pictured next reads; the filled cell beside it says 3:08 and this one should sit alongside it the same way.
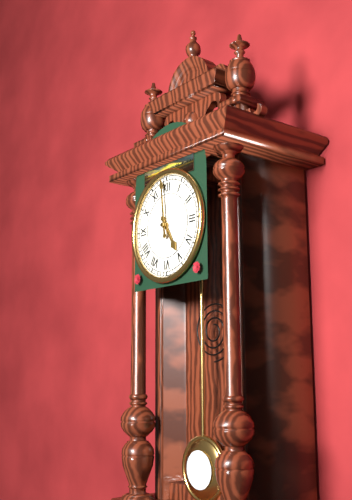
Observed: 4:59
